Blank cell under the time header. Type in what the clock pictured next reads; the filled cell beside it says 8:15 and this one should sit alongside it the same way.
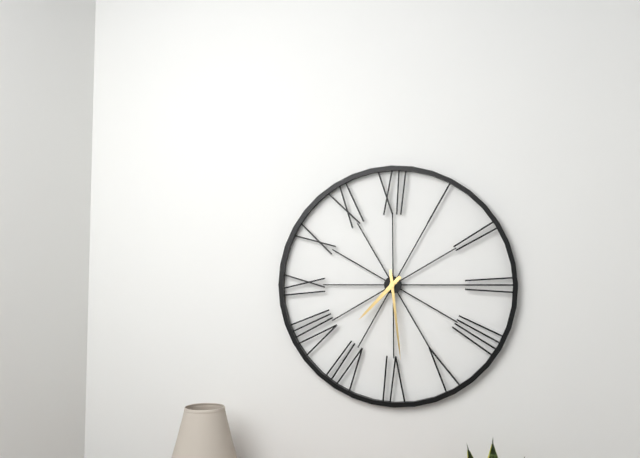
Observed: 7:29
